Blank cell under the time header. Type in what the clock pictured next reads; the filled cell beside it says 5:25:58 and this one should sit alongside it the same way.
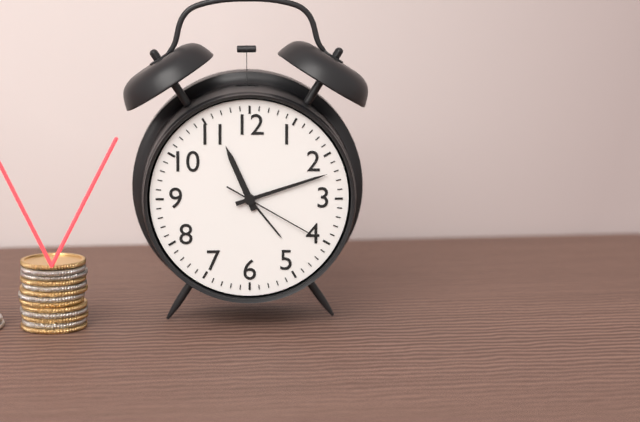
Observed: 11:12:20
